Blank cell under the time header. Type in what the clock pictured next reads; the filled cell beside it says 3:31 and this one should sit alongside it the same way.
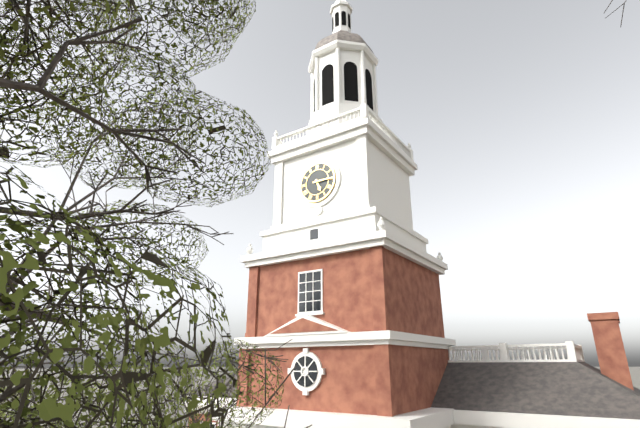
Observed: 5:15
